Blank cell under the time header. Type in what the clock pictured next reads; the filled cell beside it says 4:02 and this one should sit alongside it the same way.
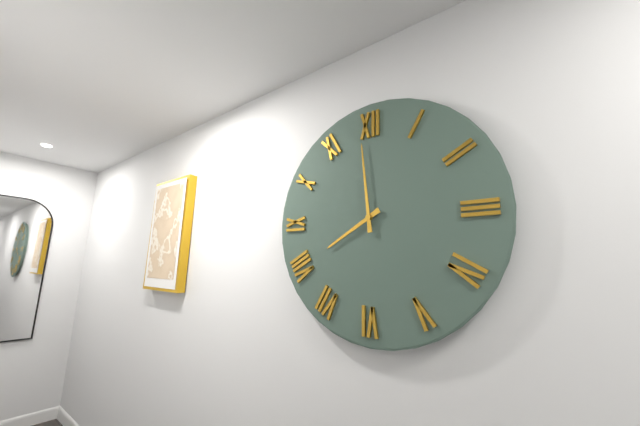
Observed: 7:59
